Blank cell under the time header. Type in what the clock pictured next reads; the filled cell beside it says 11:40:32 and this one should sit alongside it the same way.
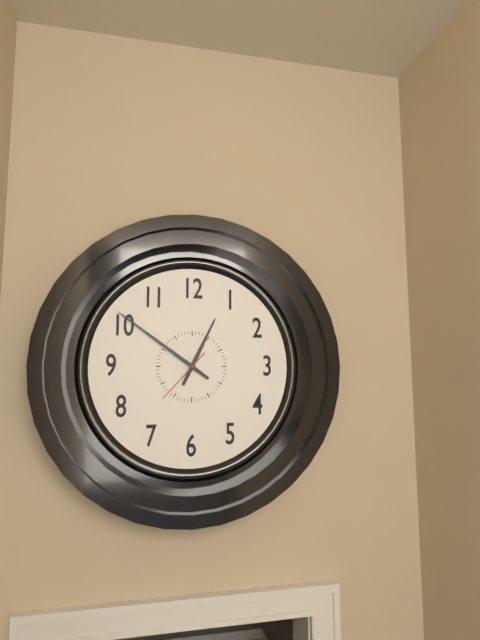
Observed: 12:51:37
